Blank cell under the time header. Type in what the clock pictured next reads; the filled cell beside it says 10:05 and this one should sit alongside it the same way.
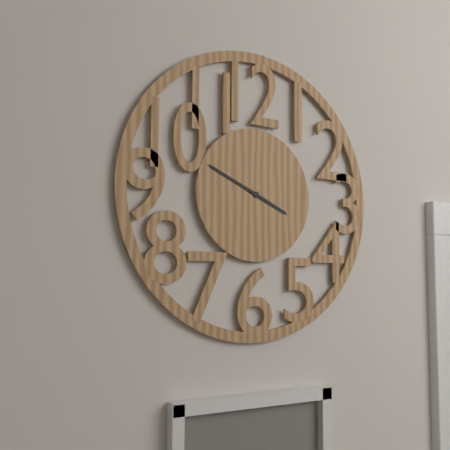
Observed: 3:49
